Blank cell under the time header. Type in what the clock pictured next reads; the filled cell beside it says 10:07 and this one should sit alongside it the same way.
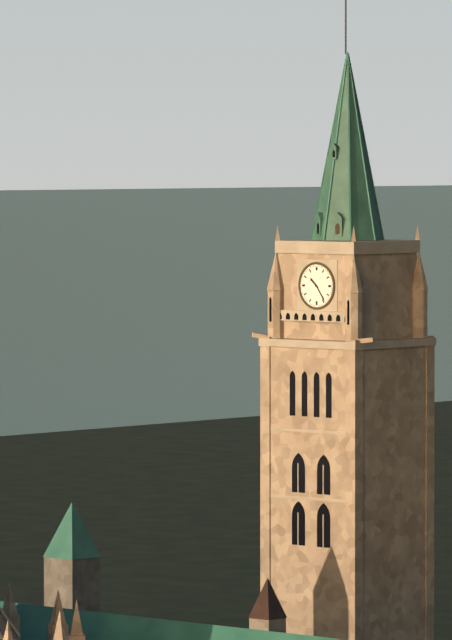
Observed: 10:24
